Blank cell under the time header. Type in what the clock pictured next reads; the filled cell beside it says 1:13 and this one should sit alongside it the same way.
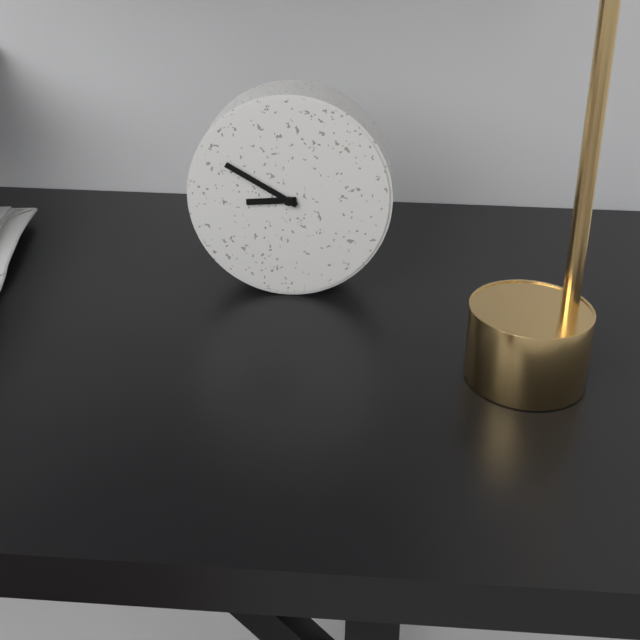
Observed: 8:50
